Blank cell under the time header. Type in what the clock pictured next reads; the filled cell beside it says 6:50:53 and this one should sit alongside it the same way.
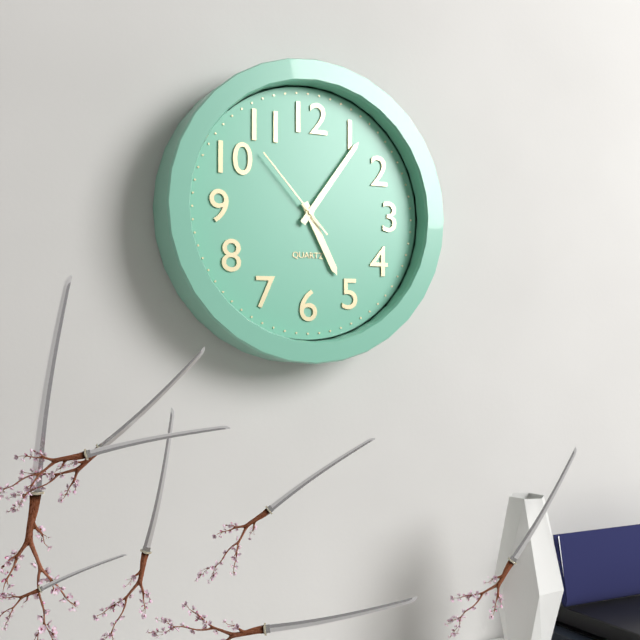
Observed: 5:06:53
